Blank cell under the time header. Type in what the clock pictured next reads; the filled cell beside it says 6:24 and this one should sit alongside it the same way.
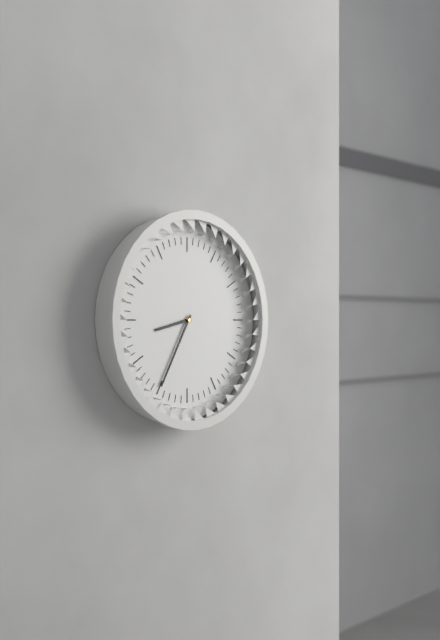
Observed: 8:35
